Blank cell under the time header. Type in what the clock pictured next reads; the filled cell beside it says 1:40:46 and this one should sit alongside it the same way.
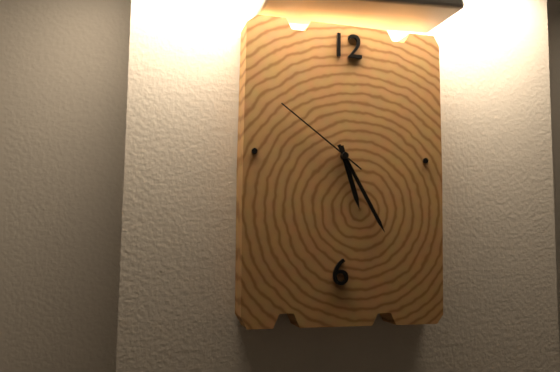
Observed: 5:25:51
